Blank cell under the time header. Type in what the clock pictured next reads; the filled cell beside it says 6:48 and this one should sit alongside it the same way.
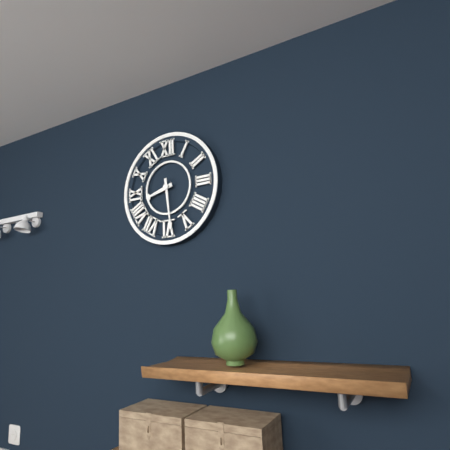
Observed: 8:29
